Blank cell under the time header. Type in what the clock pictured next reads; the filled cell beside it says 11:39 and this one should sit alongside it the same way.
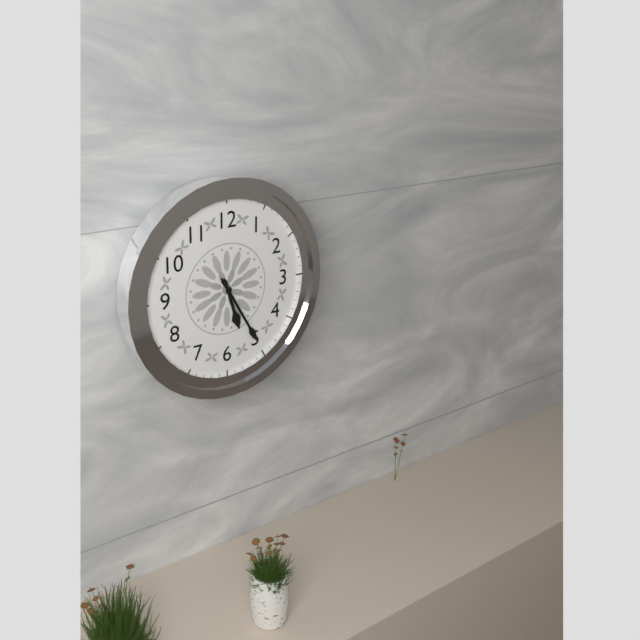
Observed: 5:25
